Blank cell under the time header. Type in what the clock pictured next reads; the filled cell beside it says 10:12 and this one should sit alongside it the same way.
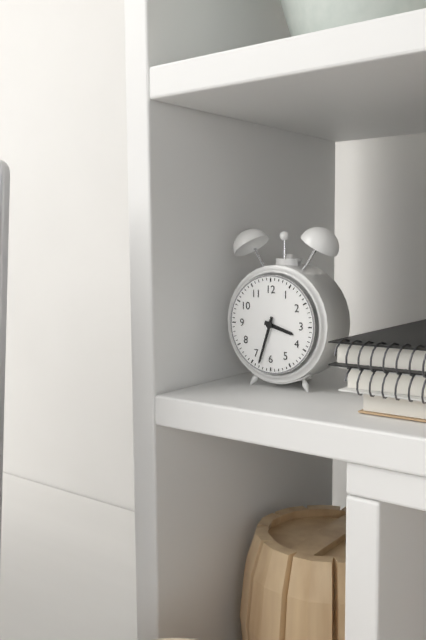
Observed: 3:33
